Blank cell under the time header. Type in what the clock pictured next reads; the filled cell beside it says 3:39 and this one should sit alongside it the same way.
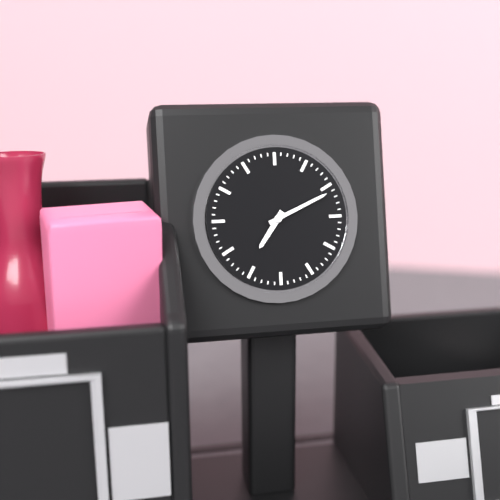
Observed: 7:11
